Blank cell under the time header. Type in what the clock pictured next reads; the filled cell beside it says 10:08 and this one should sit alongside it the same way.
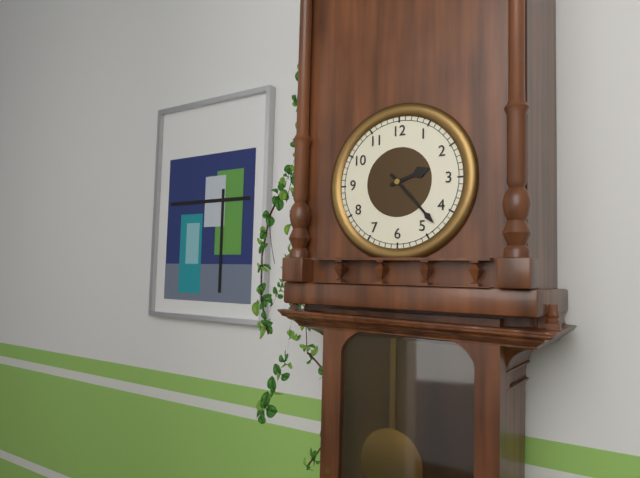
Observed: 2:23
